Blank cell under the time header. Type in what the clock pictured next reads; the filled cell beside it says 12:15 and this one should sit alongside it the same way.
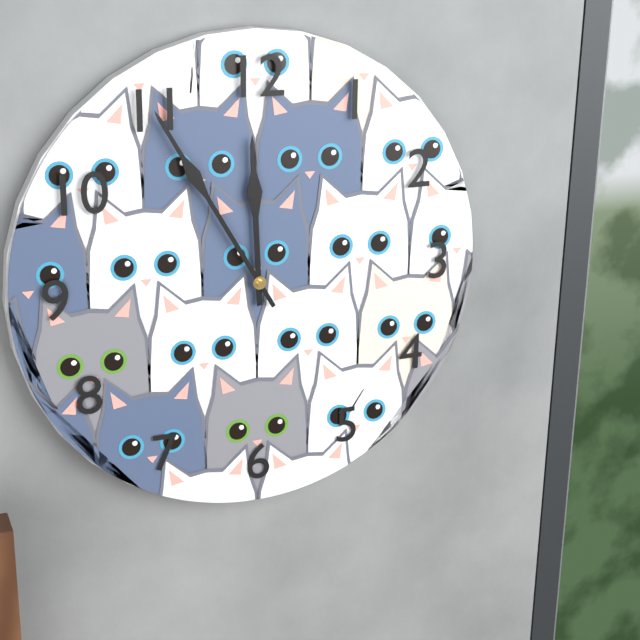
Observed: 11:55
